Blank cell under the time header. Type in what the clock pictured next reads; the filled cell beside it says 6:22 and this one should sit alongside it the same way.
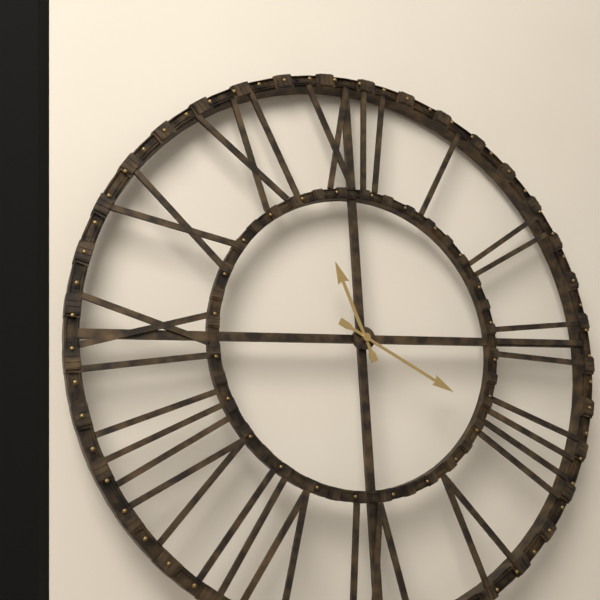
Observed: 11:20
